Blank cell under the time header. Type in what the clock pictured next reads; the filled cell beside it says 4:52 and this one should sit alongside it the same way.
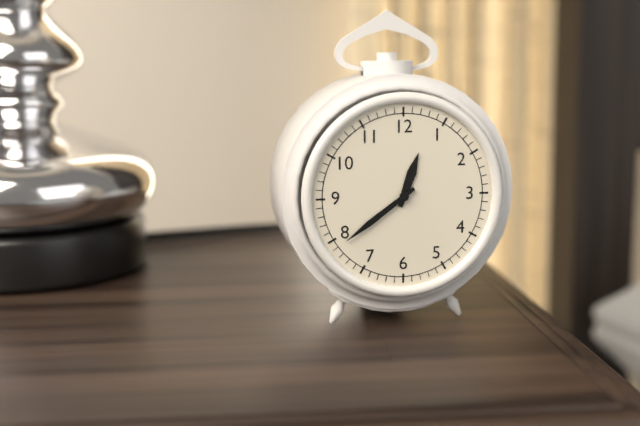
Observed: 12:39
